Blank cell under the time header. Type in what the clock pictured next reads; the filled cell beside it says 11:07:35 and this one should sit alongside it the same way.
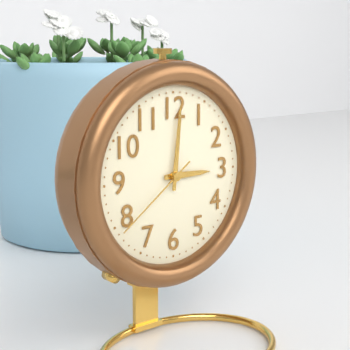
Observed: 3:01:39
